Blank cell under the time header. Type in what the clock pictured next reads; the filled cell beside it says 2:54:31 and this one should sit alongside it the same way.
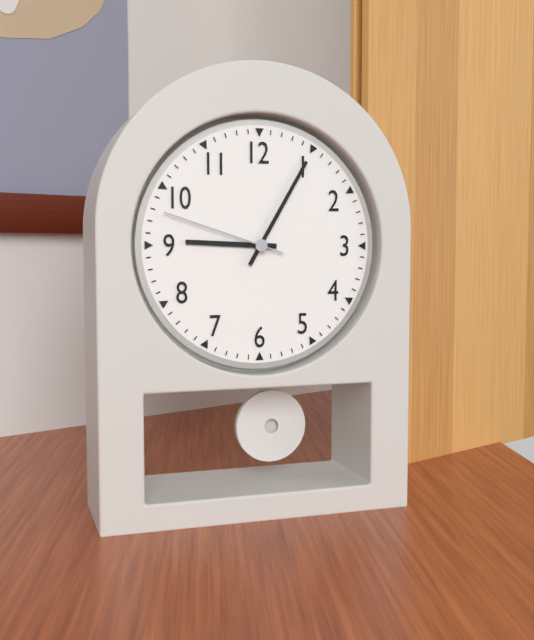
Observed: 9:05:48
